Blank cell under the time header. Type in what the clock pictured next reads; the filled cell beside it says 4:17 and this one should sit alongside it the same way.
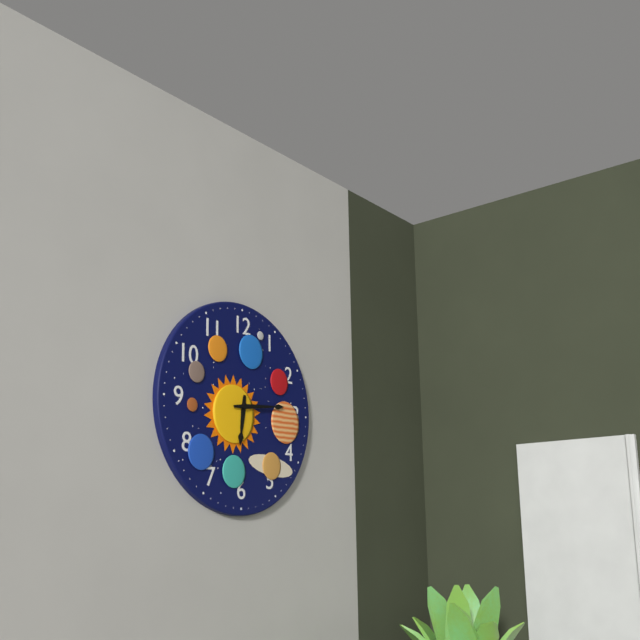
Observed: 6:14
